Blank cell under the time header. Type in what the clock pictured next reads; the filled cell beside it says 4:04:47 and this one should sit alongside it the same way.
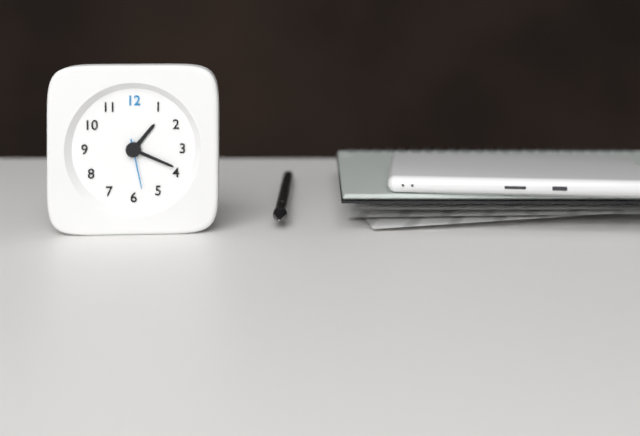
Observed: 1:19:28
